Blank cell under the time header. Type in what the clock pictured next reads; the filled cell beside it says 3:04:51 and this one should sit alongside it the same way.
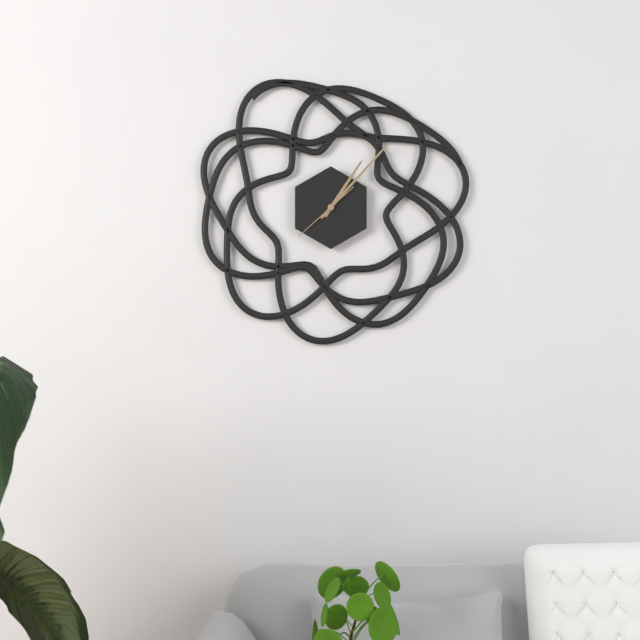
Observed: 1:07:38
